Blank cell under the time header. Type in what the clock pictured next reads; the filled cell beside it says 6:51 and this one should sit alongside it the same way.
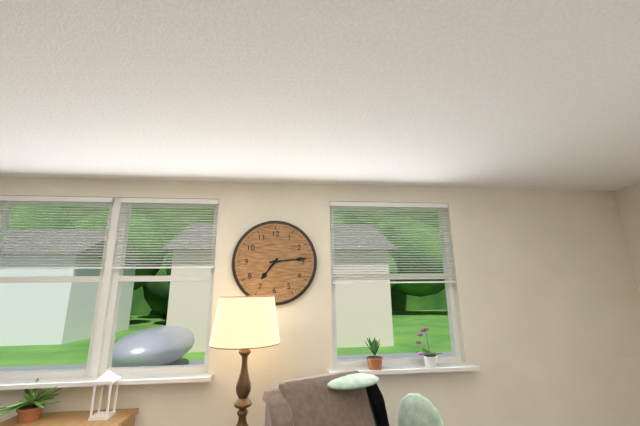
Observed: 7:14
